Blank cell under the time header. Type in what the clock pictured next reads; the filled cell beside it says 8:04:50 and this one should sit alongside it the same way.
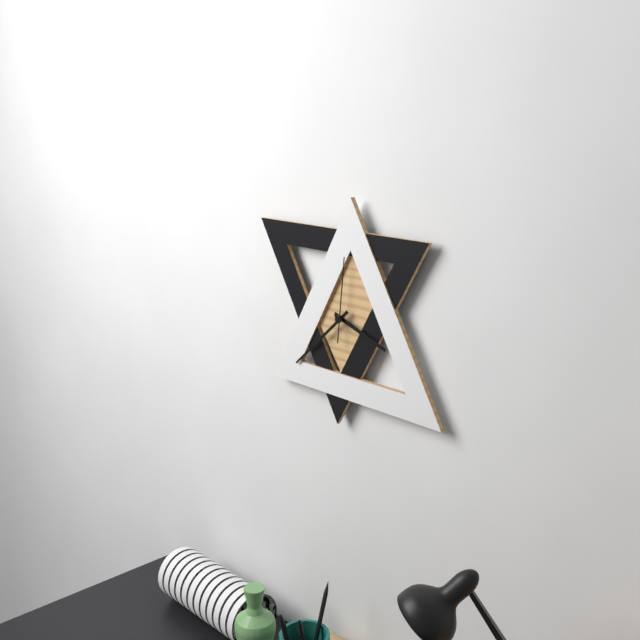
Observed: 3:38:01
